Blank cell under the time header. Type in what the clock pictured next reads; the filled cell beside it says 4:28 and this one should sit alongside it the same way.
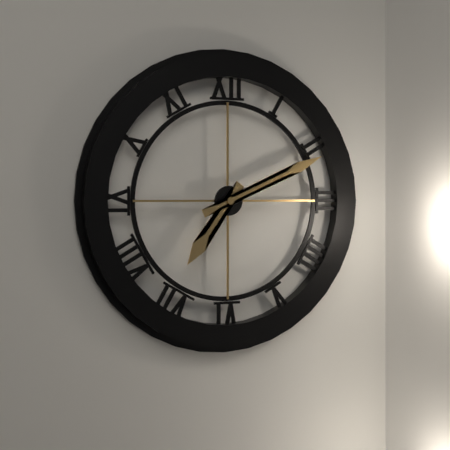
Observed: 7:11
